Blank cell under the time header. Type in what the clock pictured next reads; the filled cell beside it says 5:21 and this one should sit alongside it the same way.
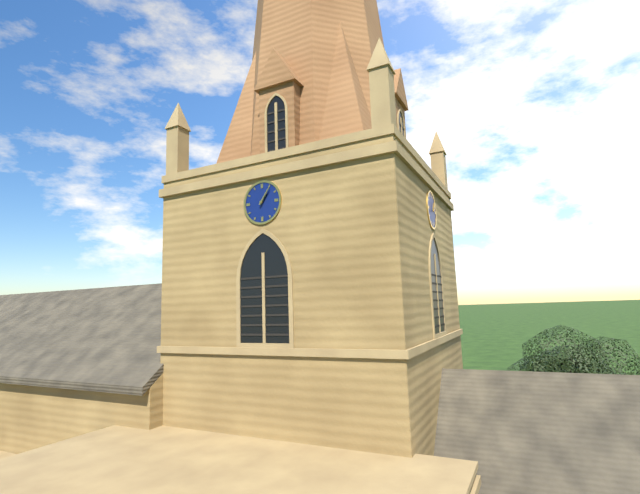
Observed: 1:06
